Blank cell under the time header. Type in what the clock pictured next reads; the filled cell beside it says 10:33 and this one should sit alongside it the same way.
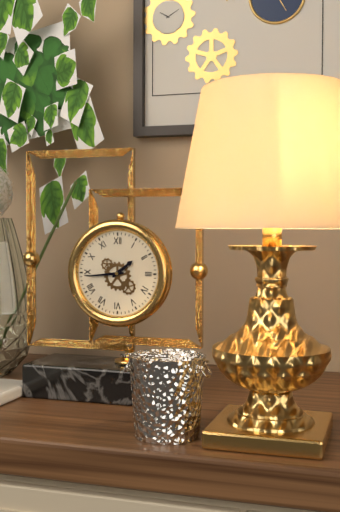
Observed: 1:44
